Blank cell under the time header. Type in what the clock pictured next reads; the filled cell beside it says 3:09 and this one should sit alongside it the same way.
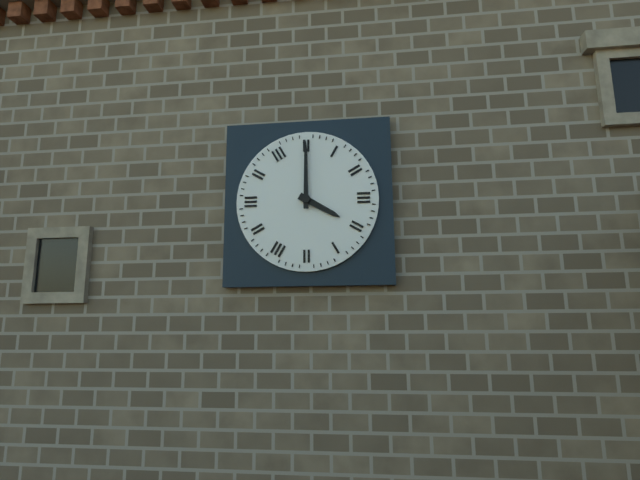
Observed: 4:00
